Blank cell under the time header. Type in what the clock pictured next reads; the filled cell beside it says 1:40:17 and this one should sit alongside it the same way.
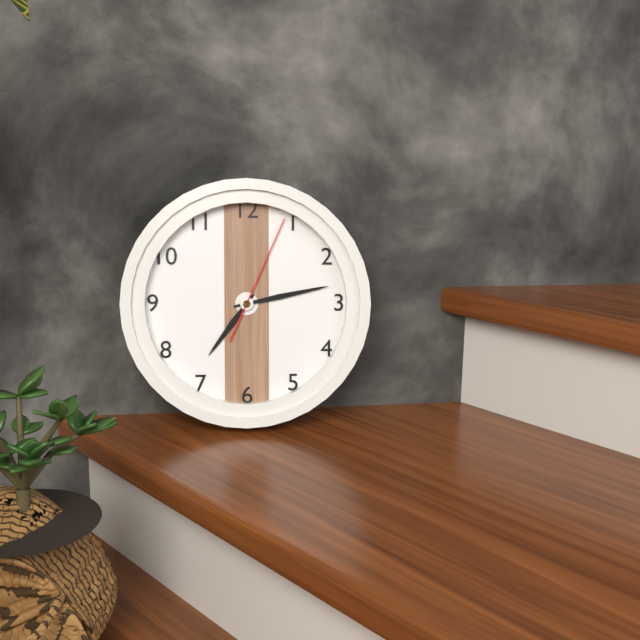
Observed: 7:13:04
